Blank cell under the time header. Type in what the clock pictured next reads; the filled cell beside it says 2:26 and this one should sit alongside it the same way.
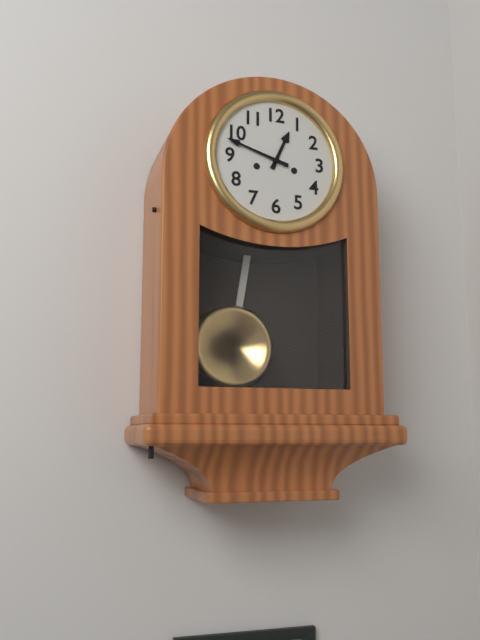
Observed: 12:48
